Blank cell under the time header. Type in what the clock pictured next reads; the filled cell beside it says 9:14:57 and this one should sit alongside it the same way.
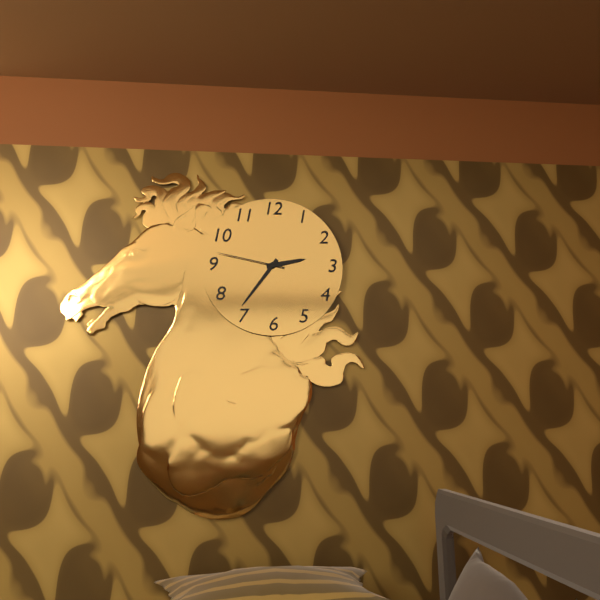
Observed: 2:36:47
